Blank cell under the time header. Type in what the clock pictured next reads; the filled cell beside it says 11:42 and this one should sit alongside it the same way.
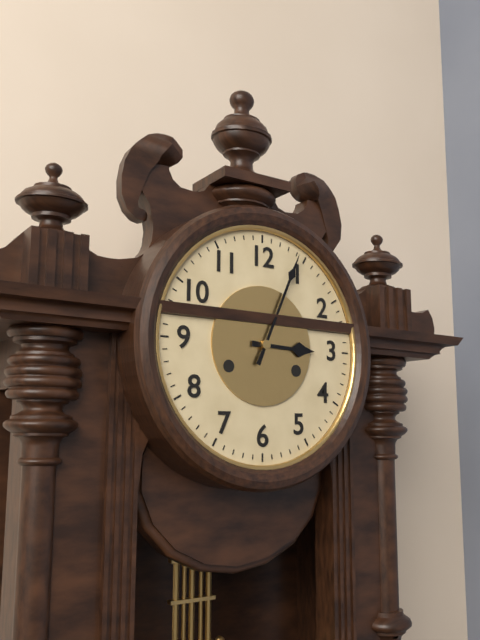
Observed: 3:04
